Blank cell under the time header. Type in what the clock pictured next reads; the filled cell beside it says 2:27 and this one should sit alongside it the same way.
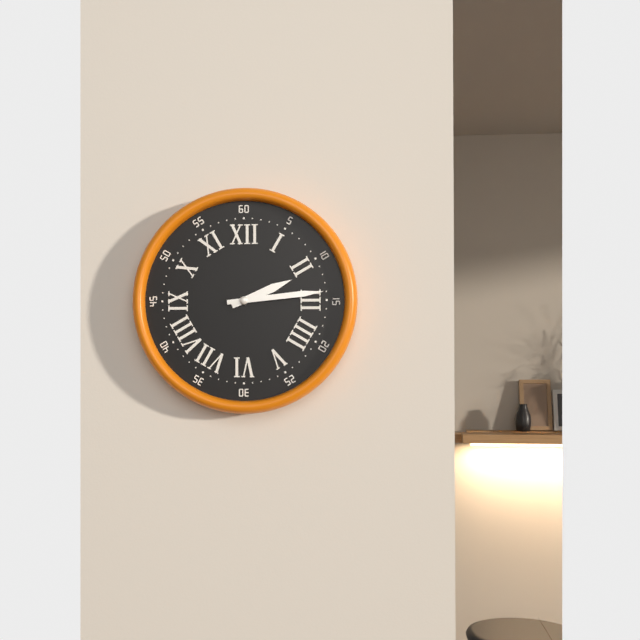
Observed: 2:14
